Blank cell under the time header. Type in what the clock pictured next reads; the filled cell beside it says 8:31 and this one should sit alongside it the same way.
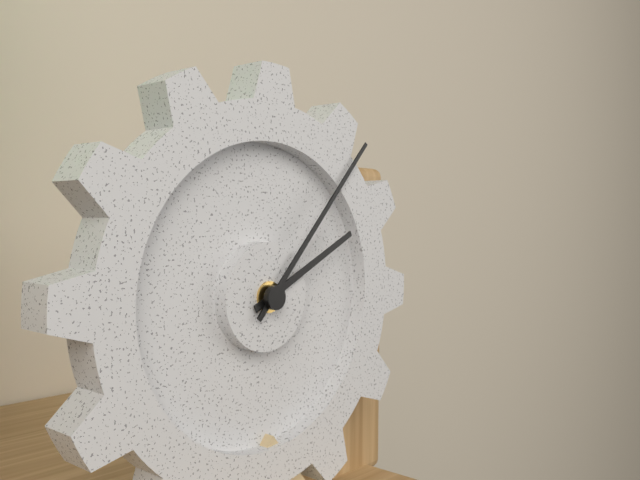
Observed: 2:07
